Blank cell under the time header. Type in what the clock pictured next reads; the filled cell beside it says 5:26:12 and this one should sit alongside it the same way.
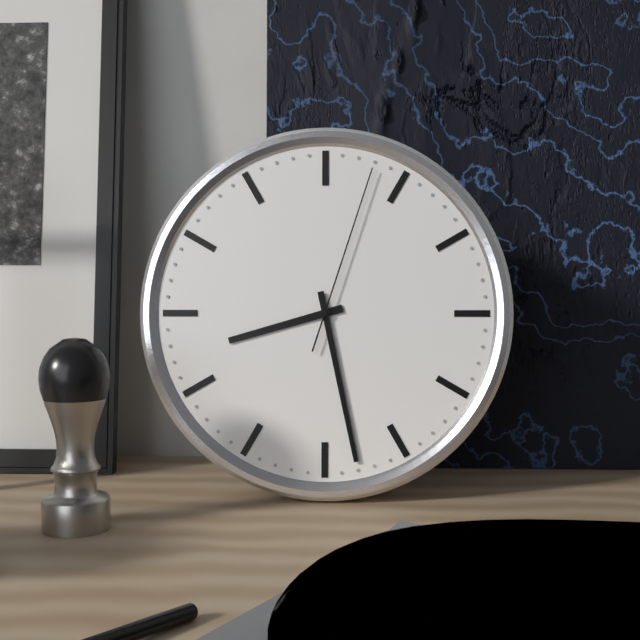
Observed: 8:28:03
